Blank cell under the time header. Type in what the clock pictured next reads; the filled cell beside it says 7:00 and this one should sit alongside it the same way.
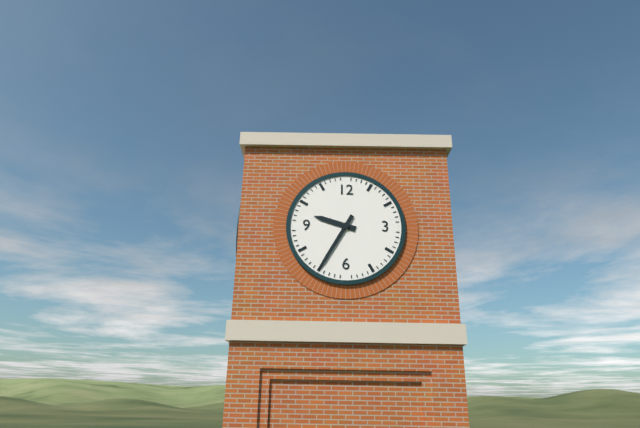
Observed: 9:35
